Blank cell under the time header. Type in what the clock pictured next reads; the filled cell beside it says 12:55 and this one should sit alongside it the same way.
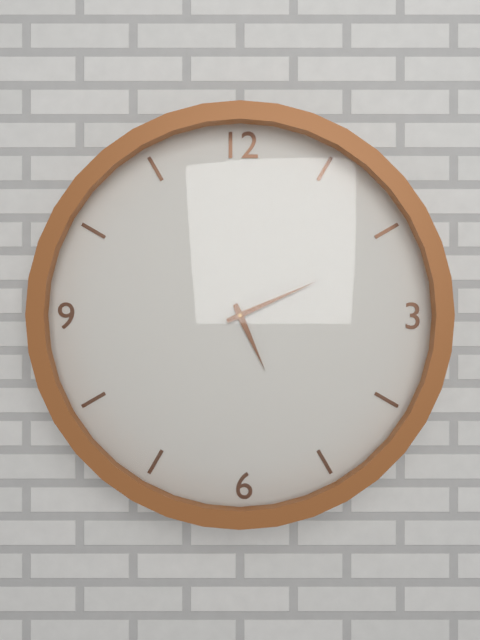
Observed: 5:11
